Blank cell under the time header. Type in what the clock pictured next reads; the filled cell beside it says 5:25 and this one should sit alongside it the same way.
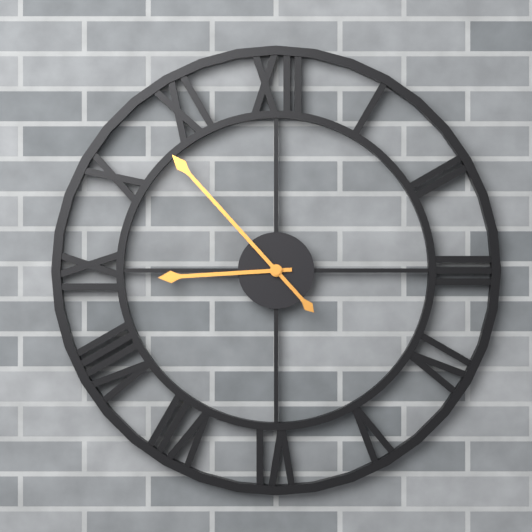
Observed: 8:53
